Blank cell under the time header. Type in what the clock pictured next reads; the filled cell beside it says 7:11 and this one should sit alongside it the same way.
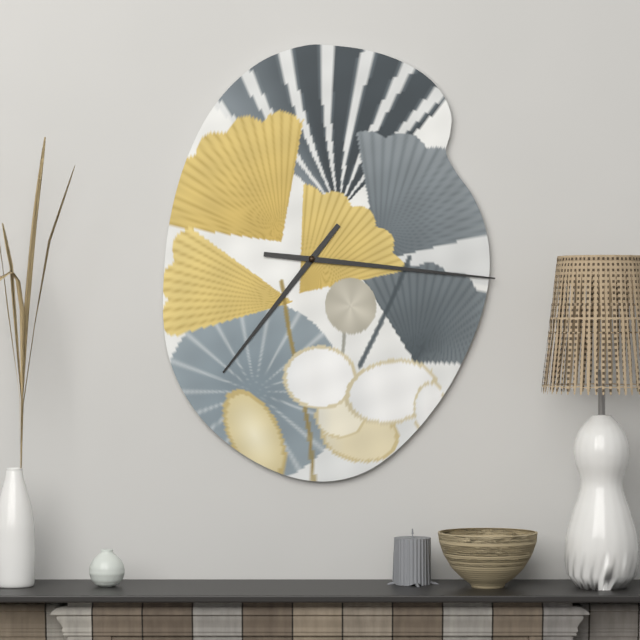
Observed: 7:16
